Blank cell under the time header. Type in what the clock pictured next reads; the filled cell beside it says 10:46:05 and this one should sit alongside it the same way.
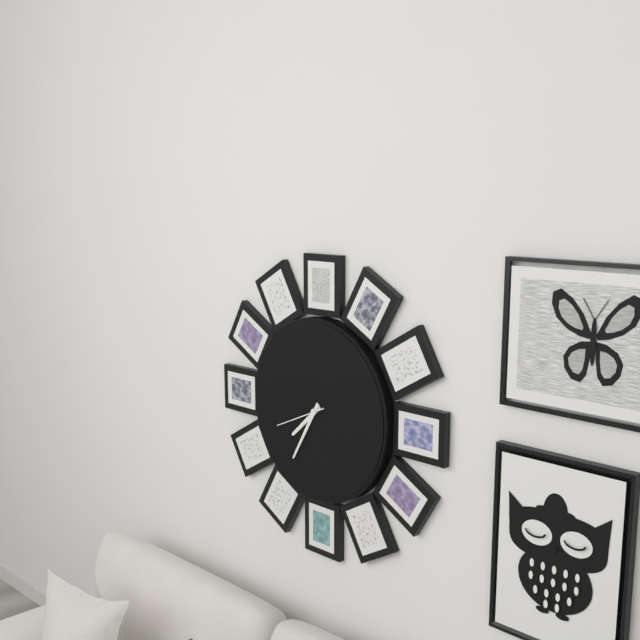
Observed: 7:35:41
